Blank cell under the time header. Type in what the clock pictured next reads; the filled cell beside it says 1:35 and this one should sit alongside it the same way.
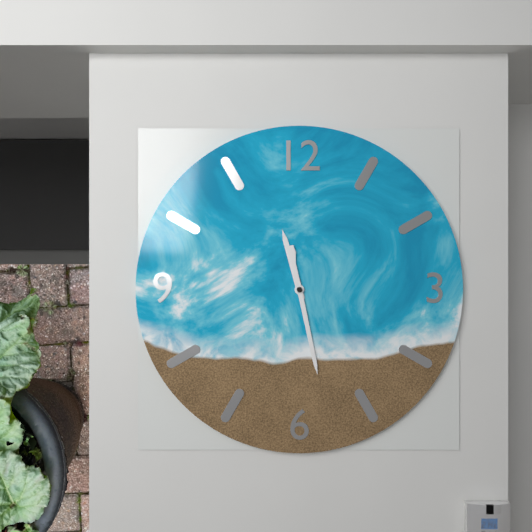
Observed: 11:28
